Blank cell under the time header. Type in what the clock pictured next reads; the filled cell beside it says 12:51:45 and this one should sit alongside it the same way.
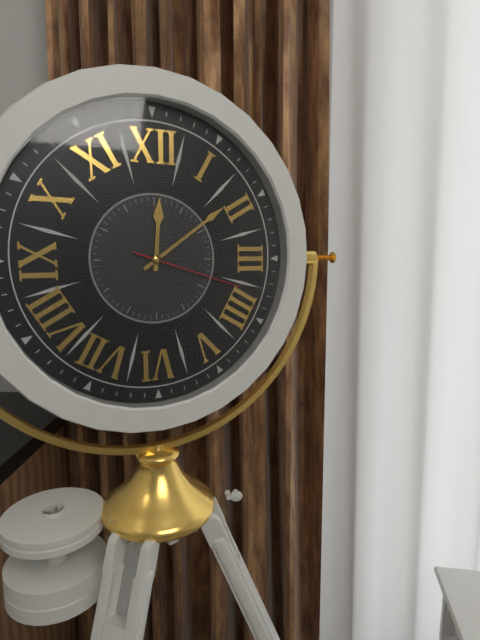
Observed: 12:09:18
